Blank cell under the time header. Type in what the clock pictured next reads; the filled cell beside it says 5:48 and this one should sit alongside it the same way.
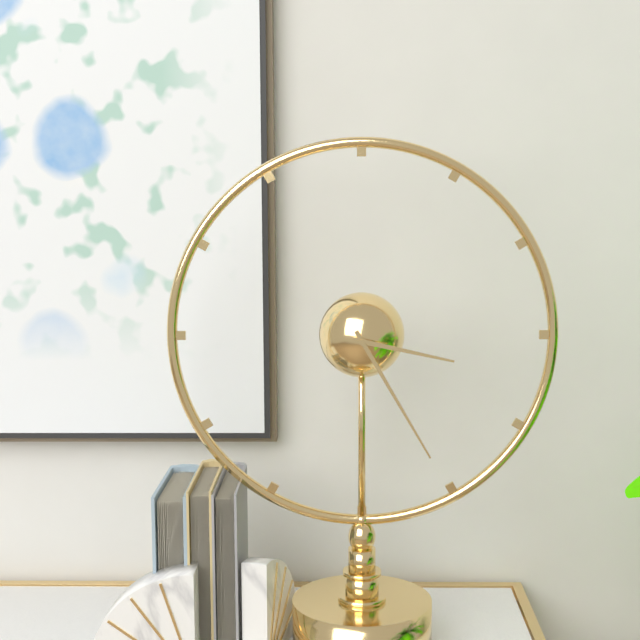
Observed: 3:25
